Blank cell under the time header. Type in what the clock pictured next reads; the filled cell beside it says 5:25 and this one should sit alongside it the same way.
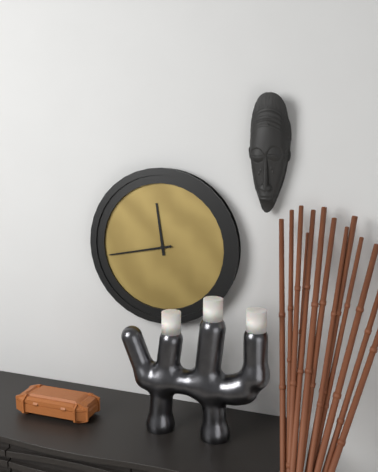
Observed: 11:43
